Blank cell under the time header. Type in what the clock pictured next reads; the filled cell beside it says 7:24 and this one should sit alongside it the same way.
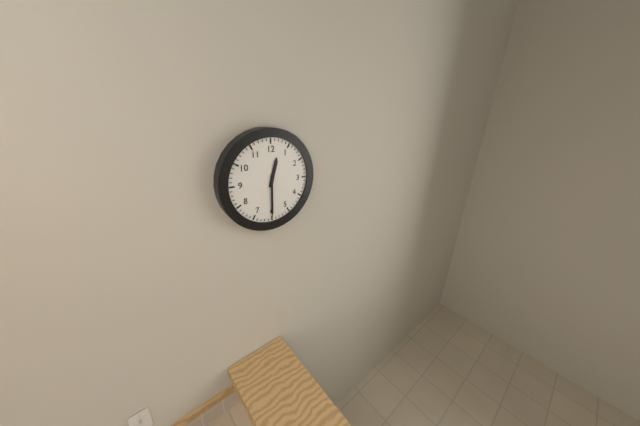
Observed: 12:30
